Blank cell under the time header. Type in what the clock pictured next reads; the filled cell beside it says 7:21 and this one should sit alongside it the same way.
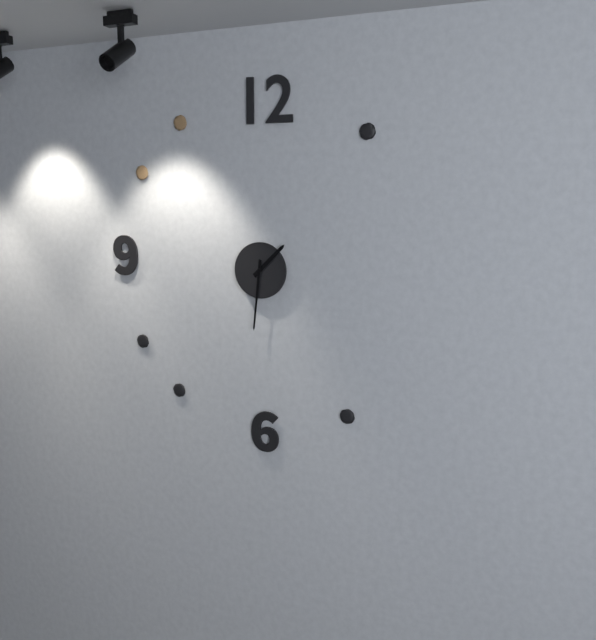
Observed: 1:31
